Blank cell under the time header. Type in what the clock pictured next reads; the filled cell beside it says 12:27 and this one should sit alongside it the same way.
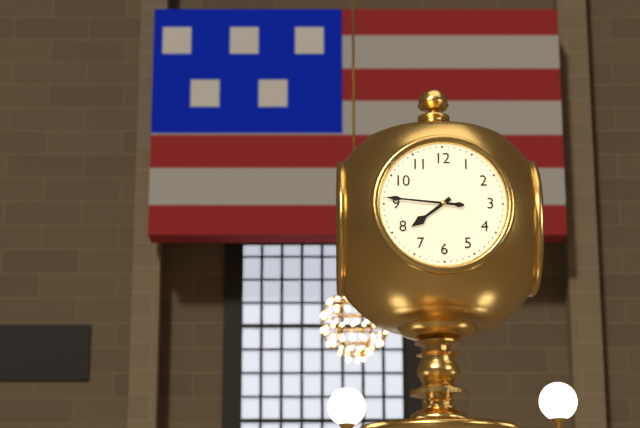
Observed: 7:46
